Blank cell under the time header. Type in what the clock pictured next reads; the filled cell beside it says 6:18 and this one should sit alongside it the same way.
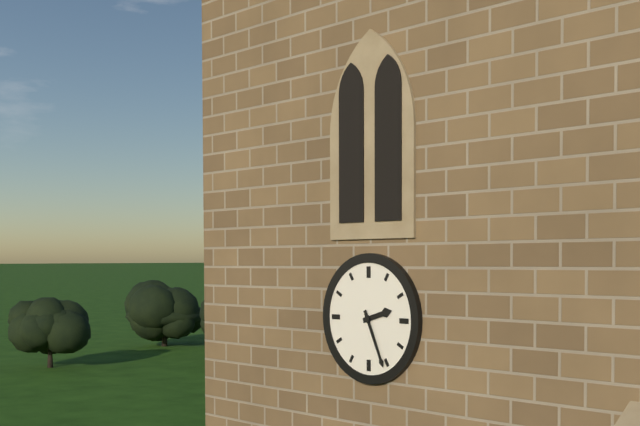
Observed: 2:26
